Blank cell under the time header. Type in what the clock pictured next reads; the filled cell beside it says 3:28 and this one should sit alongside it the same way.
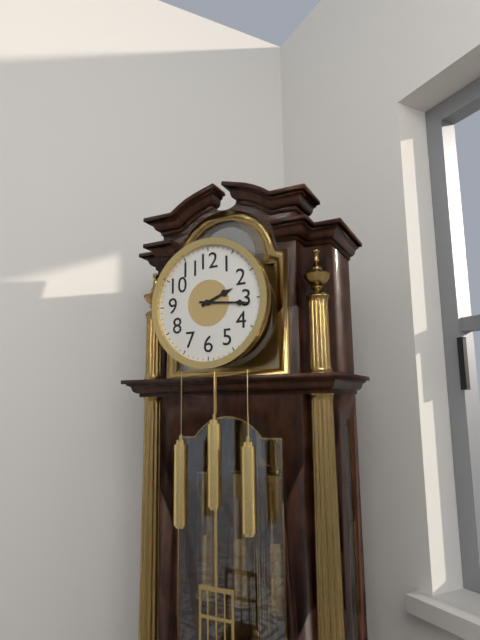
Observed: 2:16
